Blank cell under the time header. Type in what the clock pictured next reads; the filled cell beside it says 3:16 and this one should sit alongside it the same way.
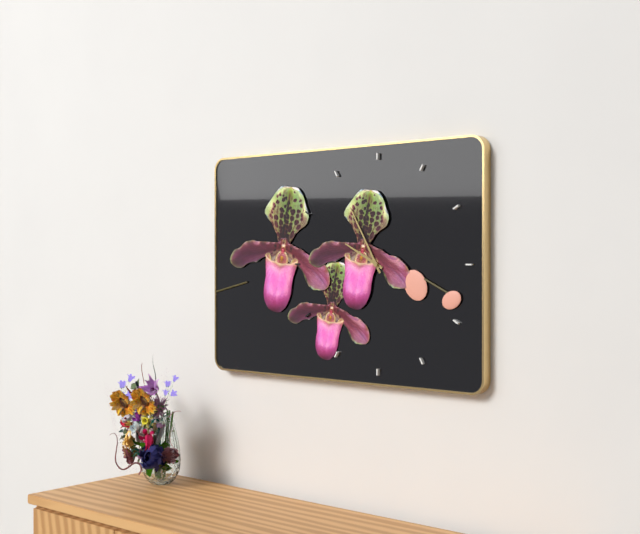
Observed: 9:55
